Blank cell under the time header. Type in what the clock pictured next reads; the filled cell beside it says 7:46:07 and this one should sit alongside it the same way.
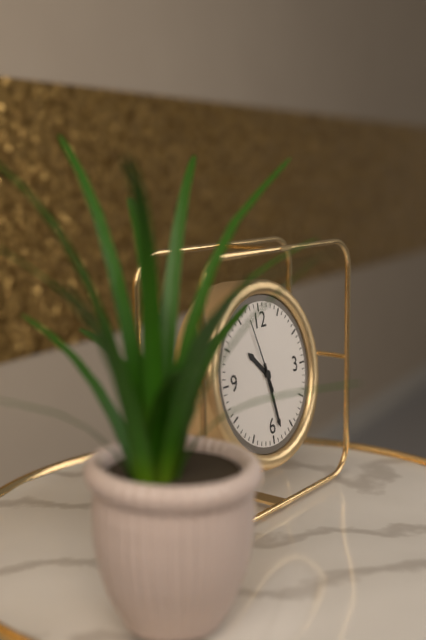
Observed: 10:28:57
